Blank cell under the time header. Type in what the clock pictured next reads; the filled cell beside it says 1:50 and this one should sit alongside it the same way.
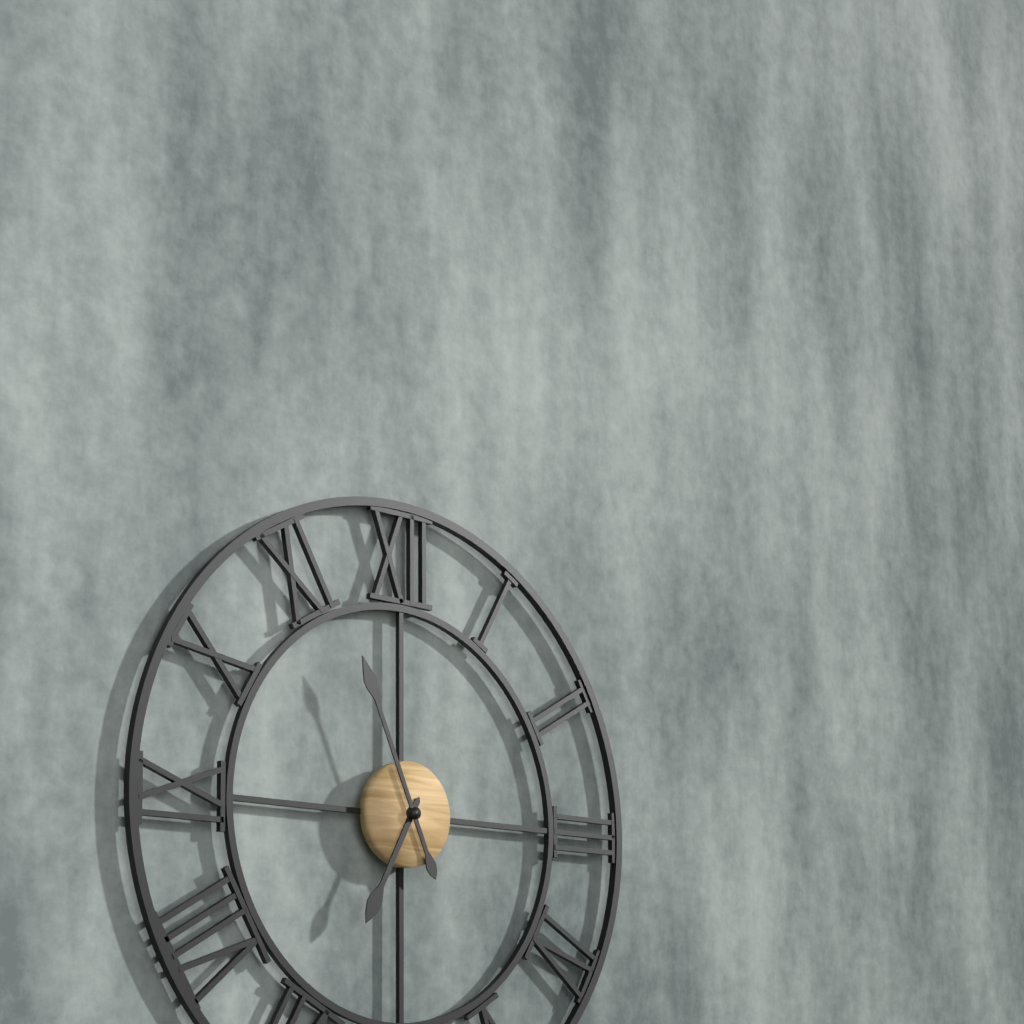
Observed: 6:56
